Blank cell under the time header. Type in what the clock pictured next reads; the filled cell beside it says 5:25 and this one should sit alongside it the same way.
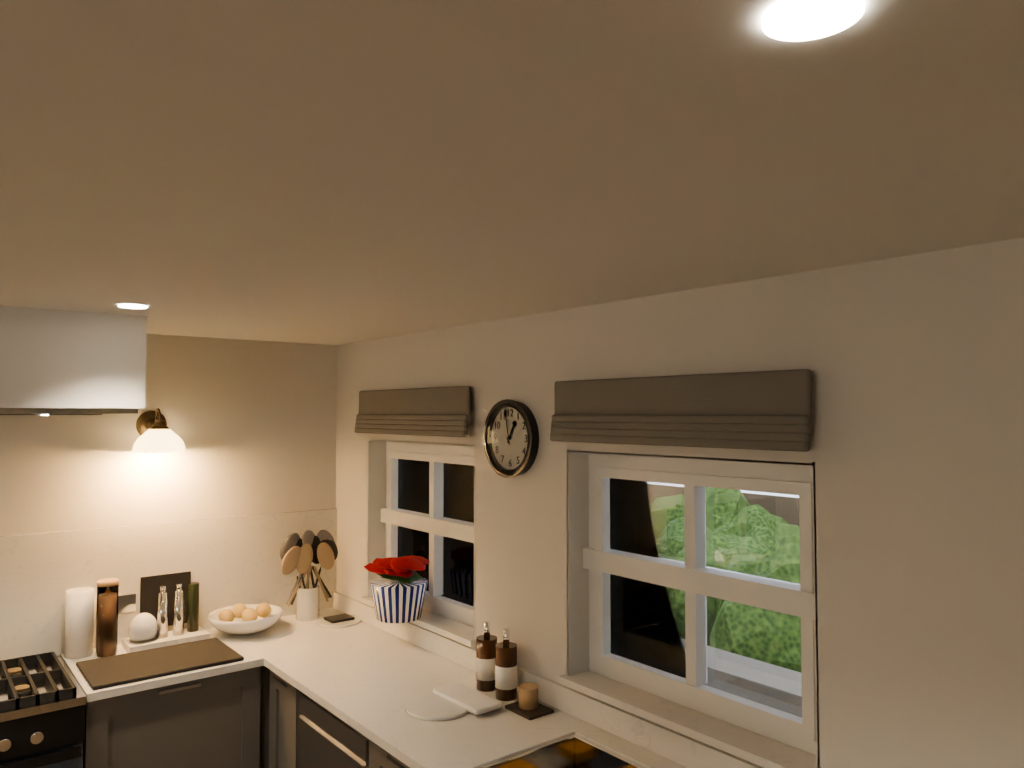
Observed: 12:58
